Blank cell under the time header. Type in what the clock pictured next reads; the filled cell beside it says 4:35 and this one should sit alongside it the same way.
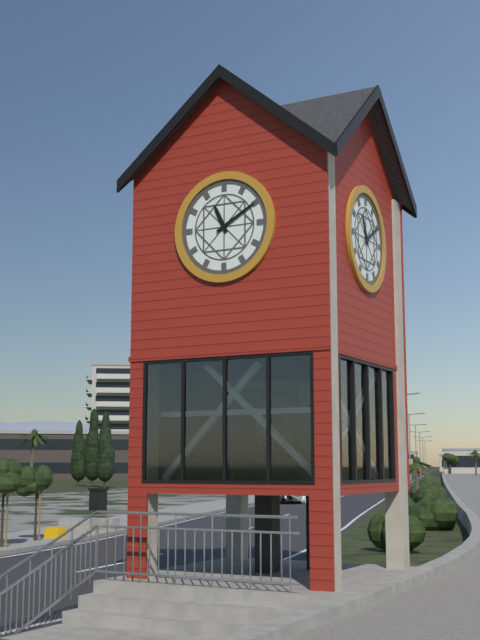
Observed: 11:10
